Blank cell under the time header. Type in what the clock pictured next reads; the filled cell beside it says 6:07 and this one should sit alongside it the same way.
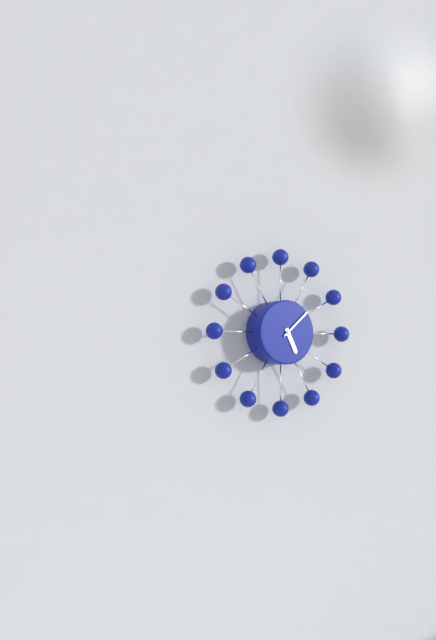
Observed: 5:08
